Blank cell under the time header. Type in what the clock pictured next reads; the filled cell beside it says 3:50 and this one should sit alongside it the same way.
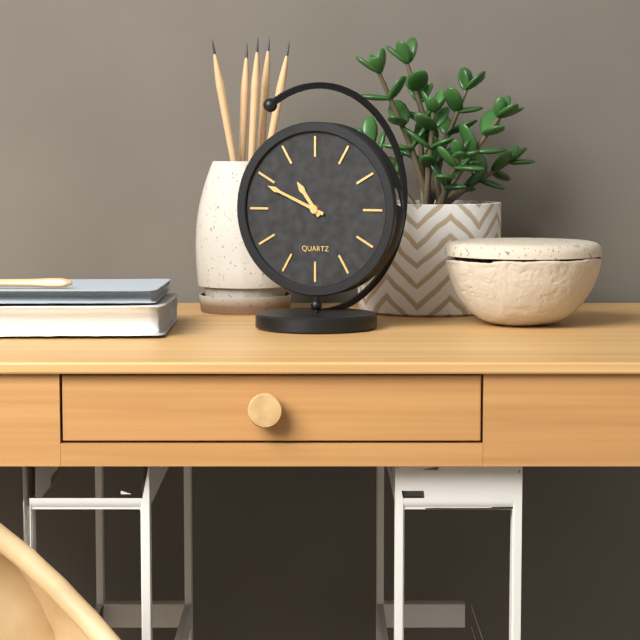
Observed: 10:49
